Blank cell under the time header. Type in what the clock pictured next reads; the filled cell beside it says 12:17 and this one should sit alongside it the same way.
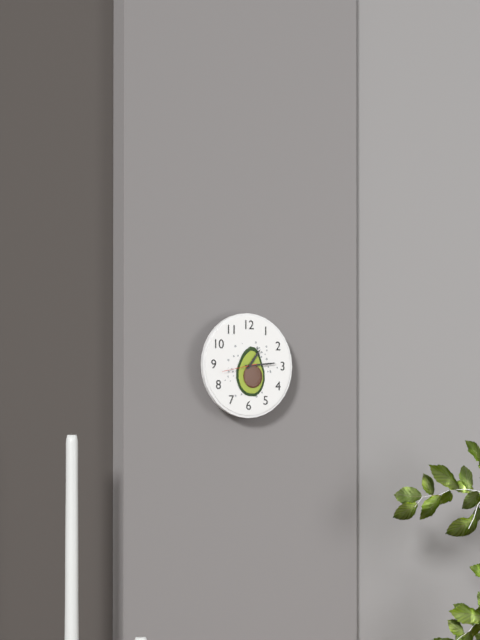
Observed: 1:14
